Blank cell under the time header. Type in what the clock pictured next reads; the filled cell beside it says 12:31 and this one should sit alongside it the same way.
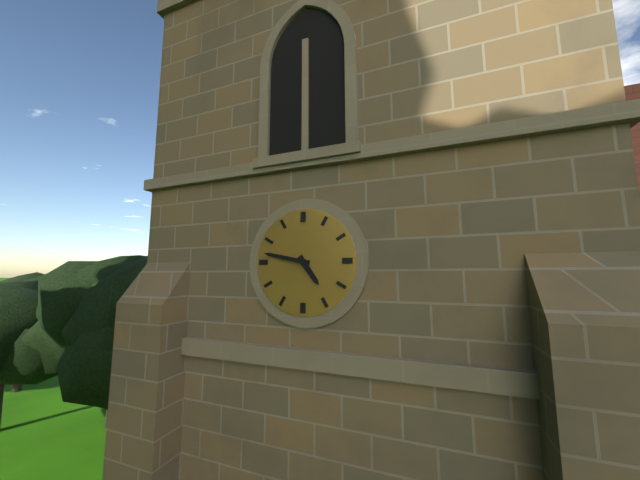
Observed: 4:47
